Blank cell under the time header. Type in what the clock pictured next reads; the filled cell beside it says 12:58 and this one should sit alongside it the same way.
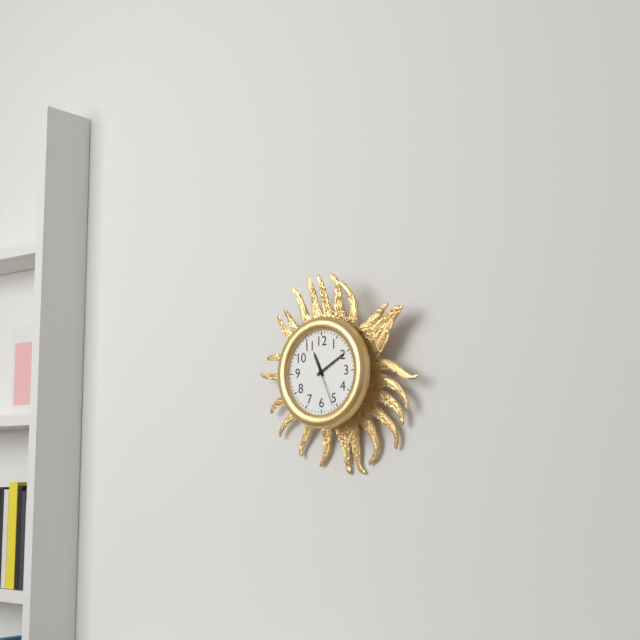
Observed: 11:10
